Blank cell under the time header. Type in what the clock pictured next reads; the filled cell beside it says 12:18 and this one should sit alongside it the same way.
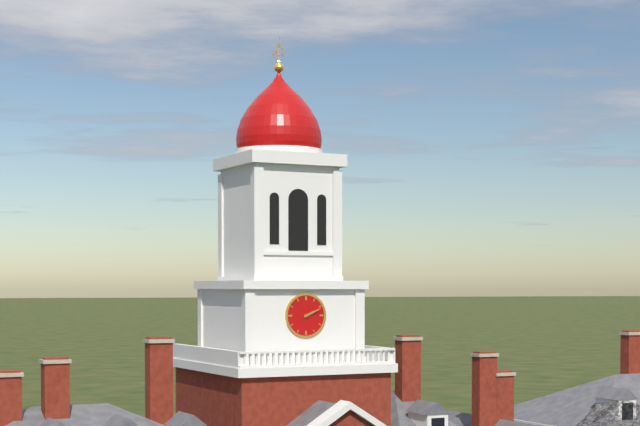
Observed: 2:11
